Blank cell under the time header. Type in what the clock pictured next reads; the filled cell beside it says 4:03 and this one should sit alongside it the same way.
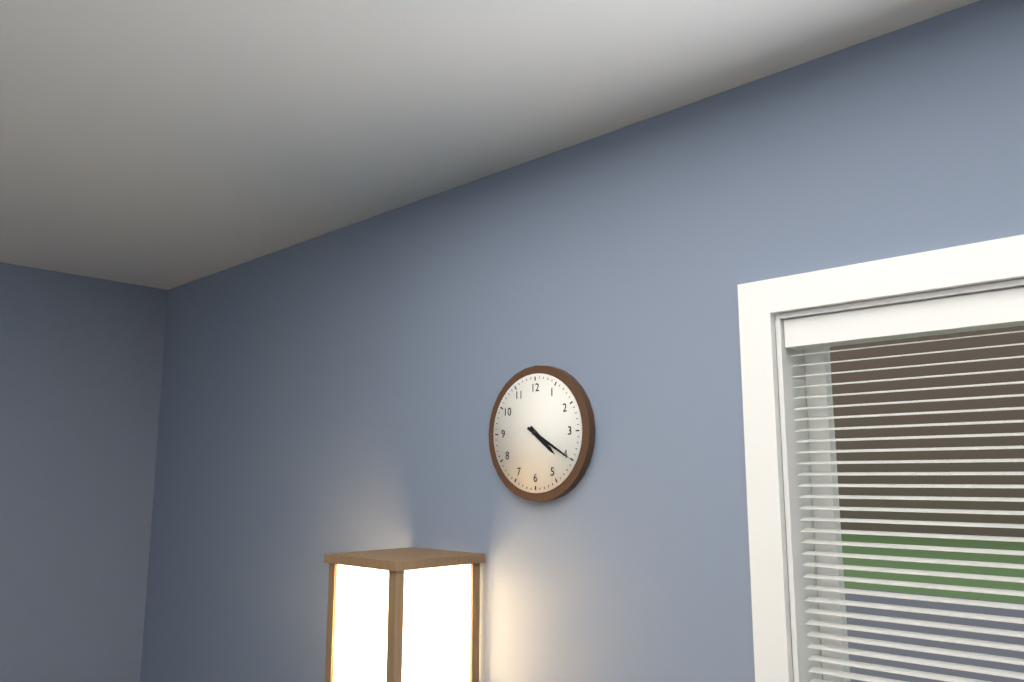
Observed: 4:20
